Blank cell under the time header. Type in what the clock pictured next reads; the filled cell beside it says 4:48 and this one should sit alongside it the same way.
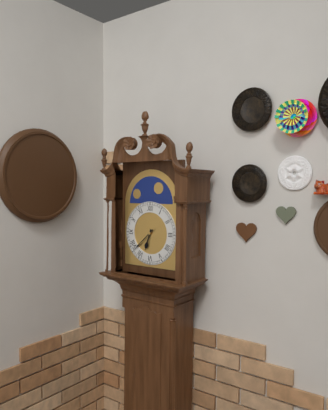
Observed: 6:38
